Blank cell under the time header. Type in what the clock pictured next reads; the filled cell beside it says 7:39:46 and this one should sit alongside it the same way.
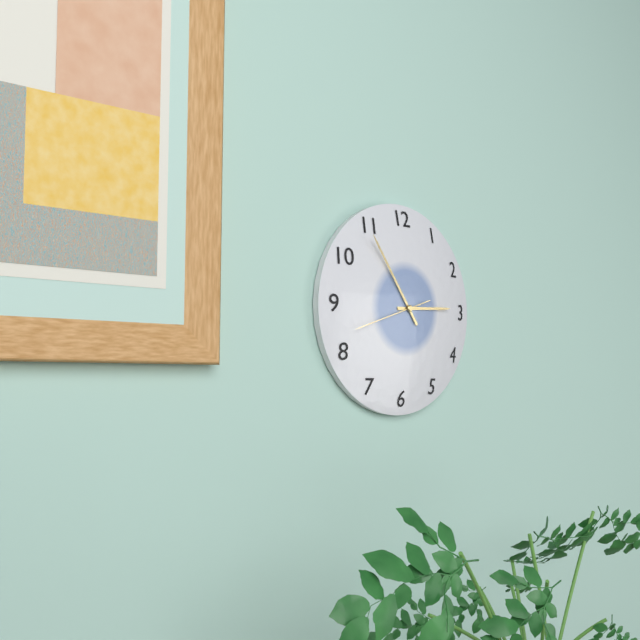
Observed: 2:54:42
